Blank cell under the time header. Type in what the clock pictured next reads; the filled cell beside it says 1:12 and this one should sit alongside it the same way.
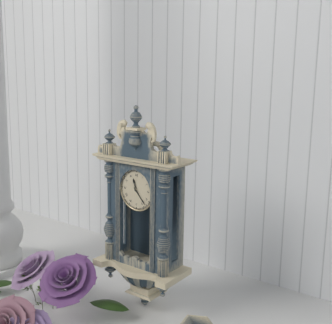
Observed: 11:23
